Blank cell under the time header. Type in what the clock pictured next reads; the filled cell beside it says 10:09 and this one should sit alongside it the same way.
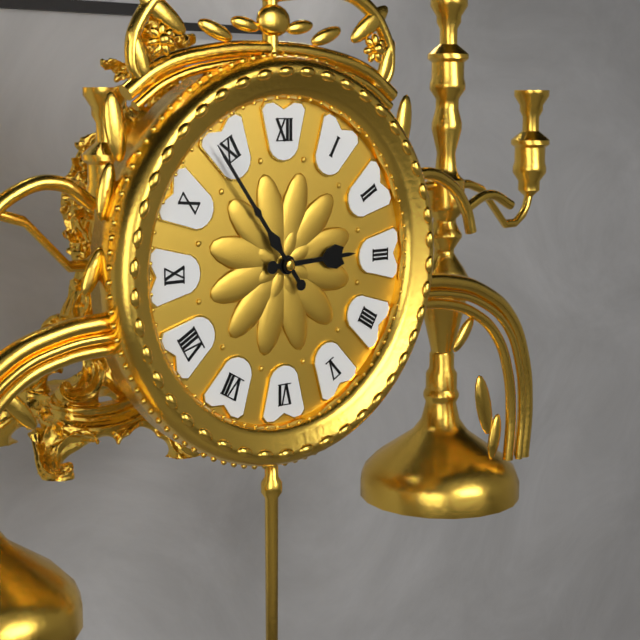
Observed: 2:54
